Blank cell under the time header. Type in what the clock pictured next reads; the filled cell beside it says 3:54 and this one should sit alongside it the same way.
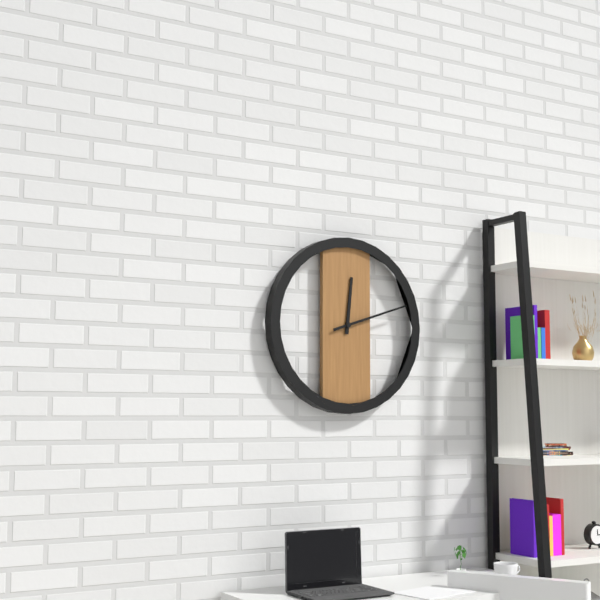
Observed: 12:12
